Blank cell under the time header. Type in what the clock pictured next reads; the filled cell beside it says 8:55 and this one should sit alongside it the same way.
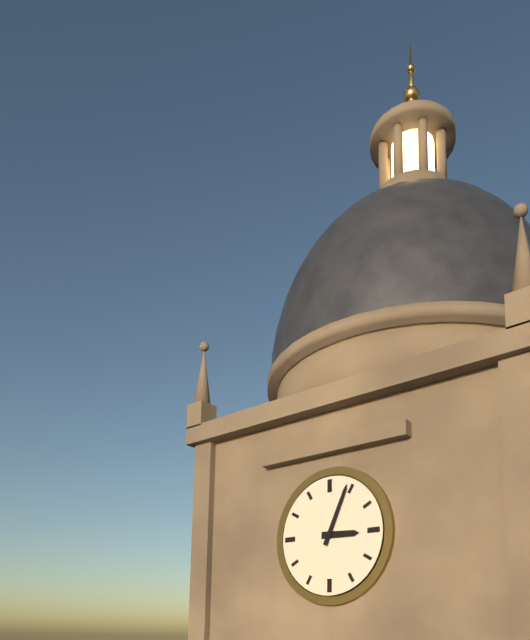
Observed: 3:04
